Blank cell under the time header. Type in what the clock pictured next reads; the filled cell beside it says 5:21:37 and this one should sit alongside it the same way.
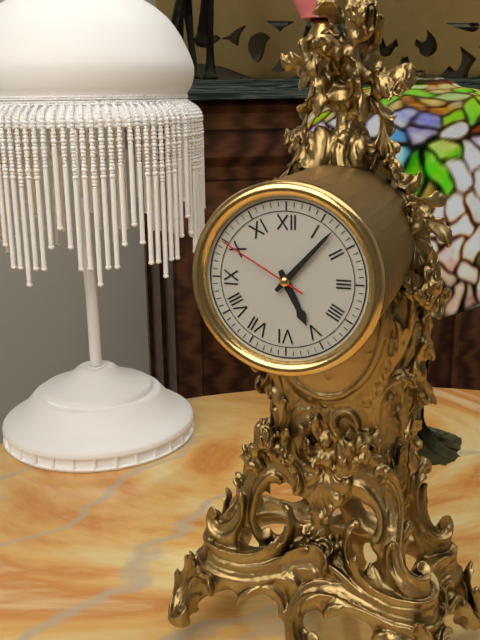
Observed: 5:07:50
